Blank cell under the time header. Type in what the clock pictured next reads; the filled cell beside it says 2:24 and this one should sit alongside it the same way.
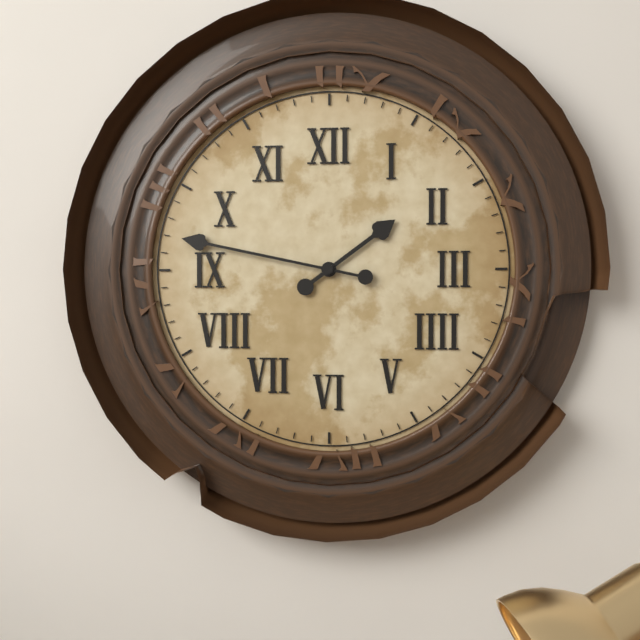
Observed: 1:47
